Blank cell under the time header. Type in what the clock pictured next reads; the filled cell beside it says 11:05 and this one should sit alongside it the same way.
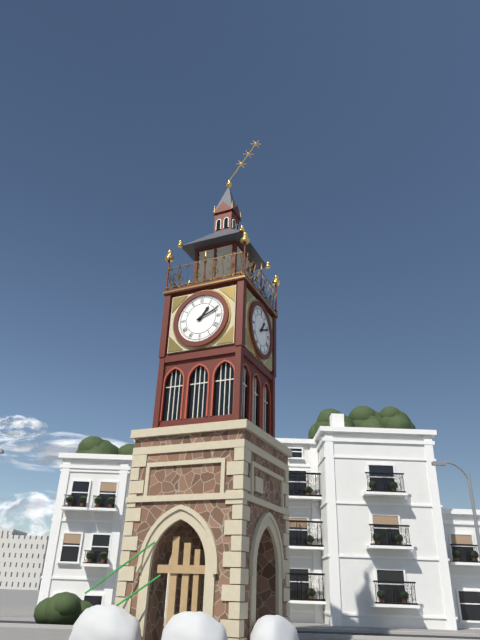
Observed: 1:11
